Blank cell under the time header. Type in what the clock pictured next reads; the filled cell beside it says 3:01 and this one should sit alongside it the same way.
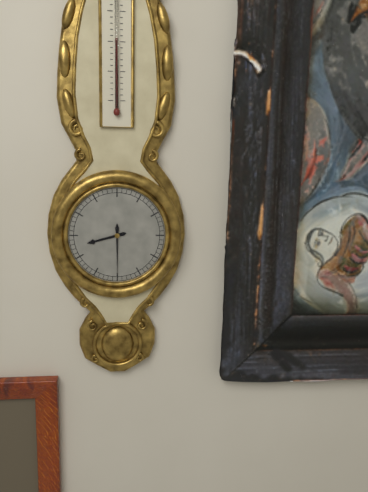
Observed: 8:30
